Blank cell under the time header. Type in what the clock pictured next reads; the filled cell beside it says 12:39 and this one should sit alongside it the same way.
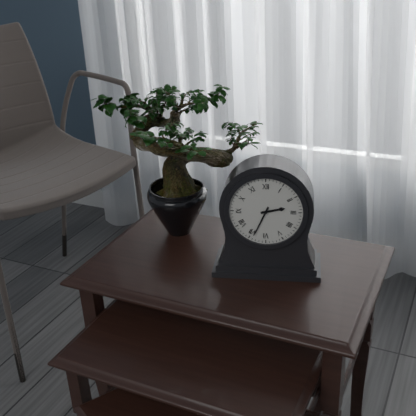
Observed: 2:34
